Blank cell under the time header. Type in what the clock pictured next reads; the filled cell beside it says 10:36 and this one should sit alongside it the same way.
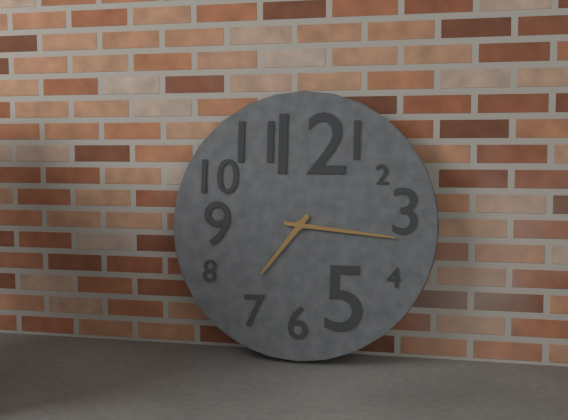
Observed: 7:16
